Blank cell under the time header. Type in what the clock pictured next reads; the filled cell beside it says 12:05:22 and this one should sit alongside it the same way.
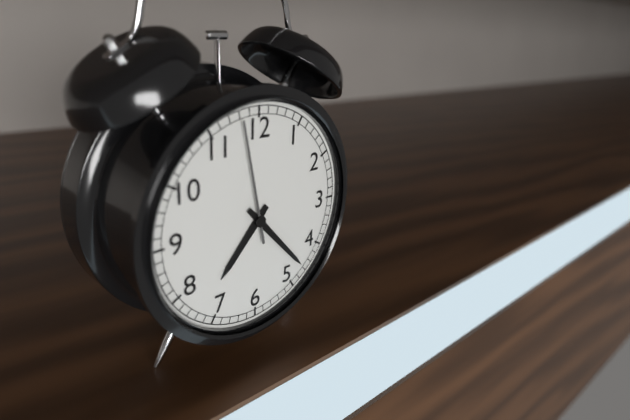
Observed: 7:23:58
